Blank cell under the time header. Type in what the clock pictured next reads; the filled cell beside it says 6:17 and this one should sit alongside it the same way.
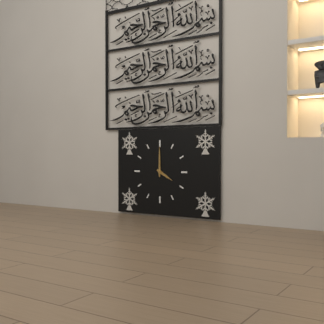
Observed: 4:00
